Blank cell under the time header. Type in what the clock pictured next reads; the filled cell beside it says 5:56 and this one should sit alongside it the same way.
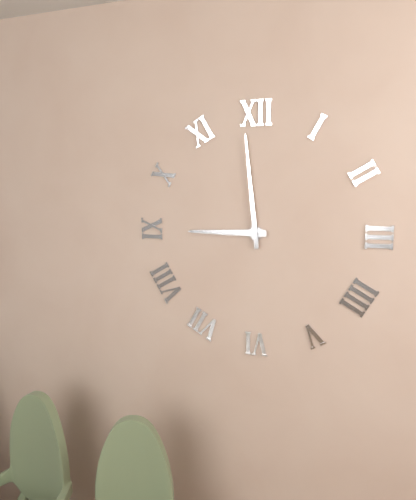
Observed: 8:59
